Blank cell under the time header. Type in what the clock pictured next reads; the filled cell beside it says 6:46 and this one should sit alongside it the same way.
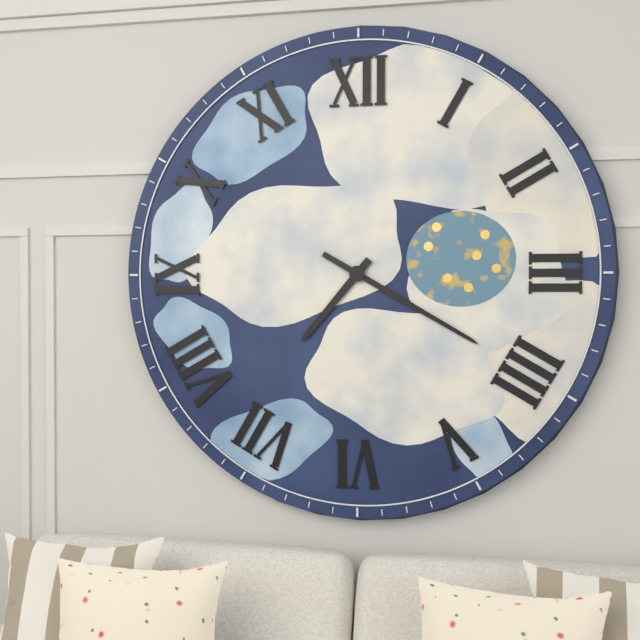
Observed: 7:20
